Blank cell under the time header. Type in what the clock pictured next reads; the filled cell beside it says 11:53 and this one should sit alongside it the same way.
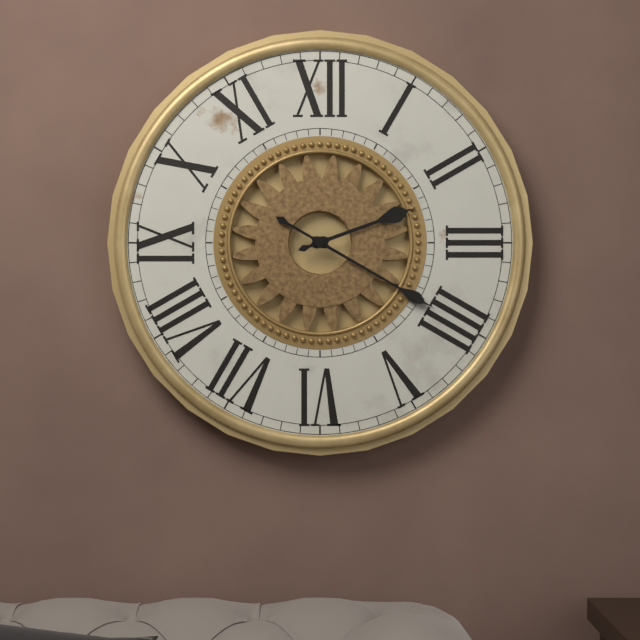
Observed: 2:20
